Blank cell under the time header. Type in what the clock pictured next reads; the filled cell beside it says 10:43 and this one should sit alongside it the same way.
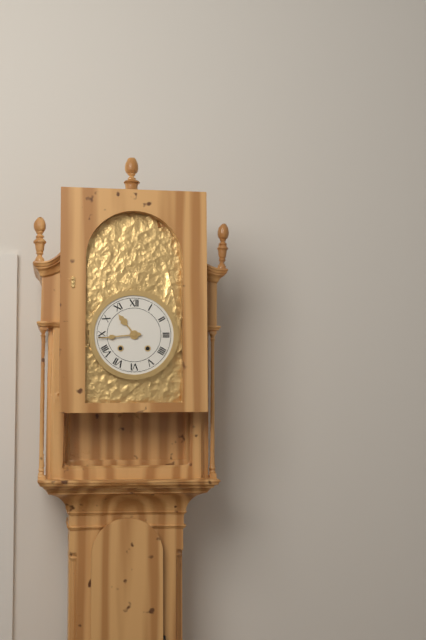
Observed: 10:44
